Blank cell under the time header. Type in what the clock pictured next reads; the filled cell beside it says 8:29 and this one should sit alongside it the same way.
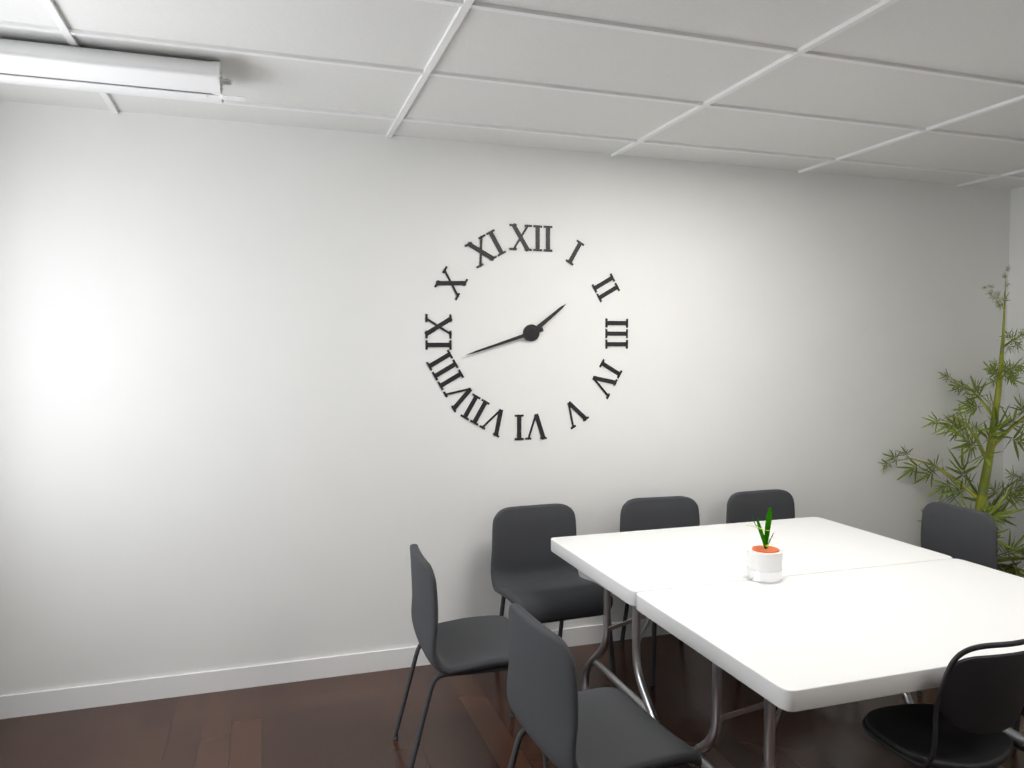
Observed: 1:42
